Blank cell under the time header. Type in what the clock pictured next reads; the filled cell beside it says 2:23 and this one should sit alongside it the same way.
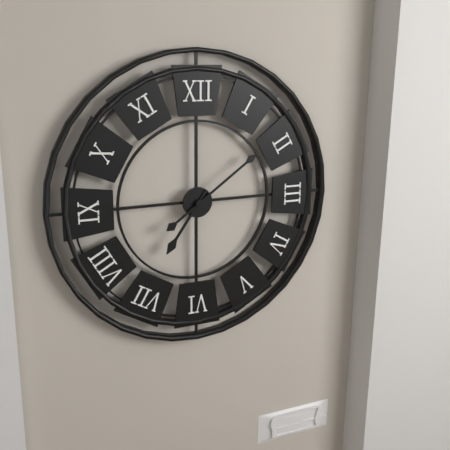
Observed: 7:09
